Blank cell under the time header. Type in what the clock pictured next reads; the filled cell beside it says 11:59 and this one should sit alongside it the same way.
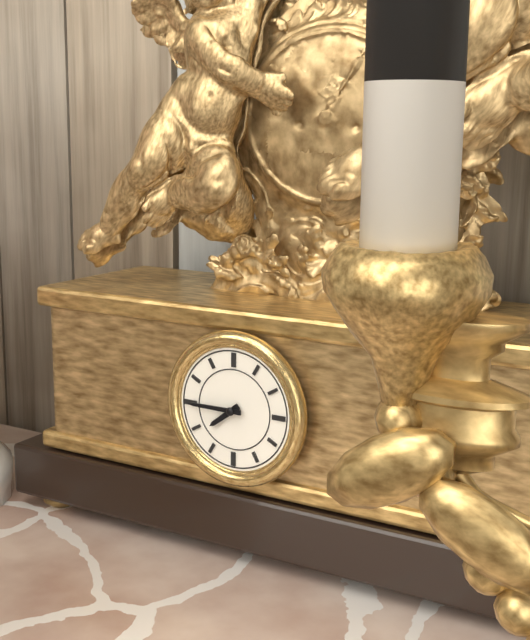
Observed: 7:45
